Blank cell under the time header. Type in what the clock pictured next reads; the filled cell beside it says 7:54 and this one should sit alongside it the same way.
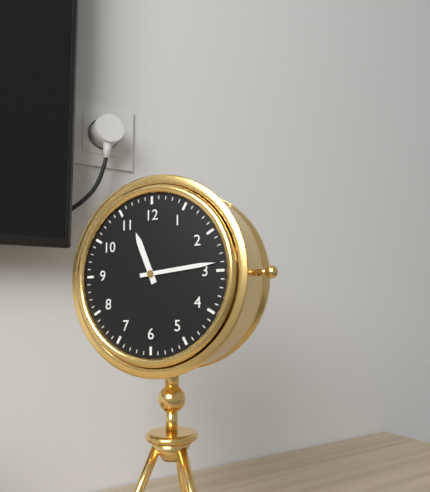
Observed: 11:14
